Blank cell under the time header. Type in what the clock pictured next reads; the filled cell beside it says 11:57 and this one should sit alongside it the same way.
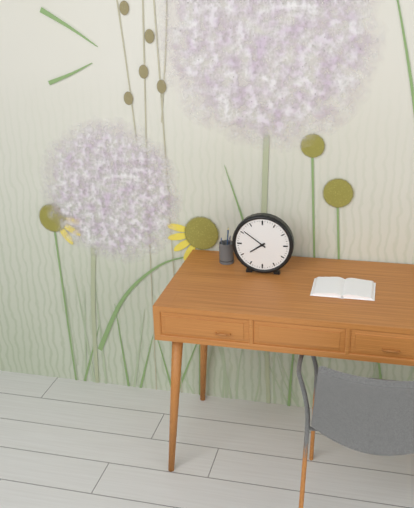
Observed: 7:51
